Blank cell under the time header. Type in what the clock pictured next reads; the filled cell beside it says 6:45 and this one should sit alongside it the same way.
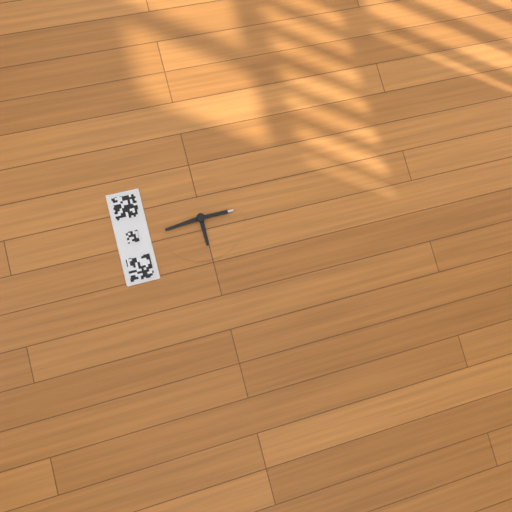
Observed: 8:59
